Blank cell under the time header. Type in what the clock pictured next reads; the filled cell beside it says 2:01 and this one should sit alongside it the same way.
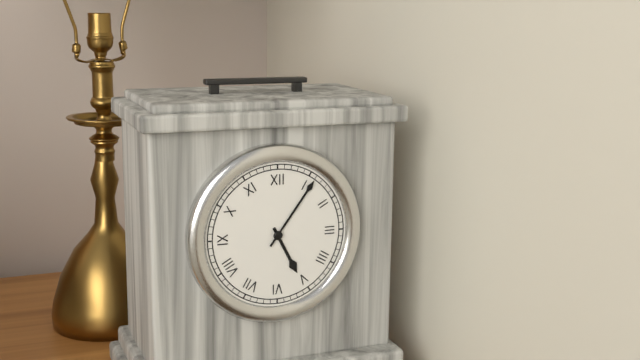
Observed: 5:06
